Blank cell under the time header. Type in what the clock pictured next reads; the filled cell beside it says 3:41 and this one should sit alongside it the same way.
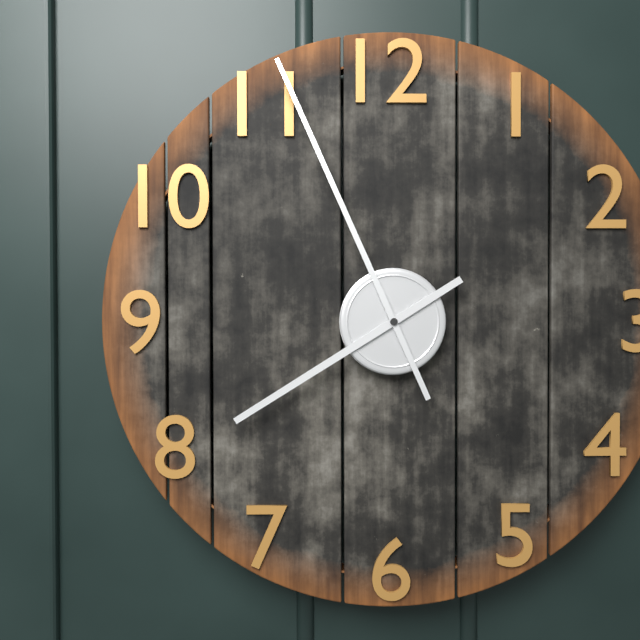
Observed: 7:56
